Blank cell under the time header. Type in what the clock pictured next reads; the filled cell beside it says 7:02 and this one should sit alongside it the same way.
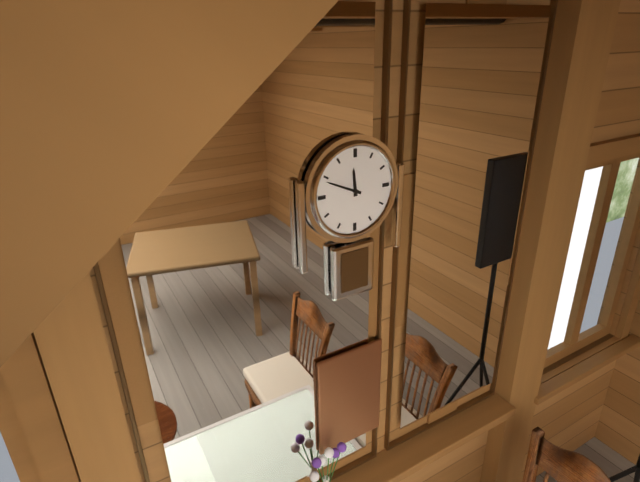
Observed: 11:49
